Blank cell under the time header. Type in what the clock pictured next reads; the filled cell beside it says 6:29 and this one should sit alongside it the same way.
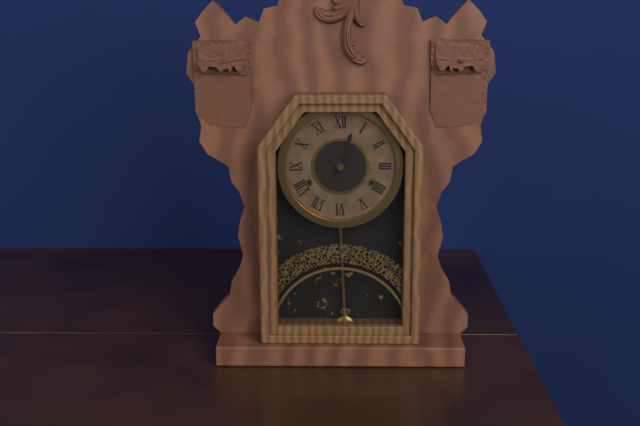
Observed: 1:03
